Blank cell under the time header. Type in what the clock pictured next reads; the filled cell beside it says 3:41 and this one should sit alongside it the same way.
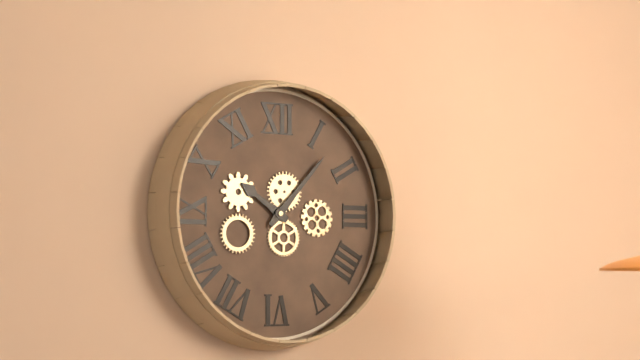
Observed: 10:07
